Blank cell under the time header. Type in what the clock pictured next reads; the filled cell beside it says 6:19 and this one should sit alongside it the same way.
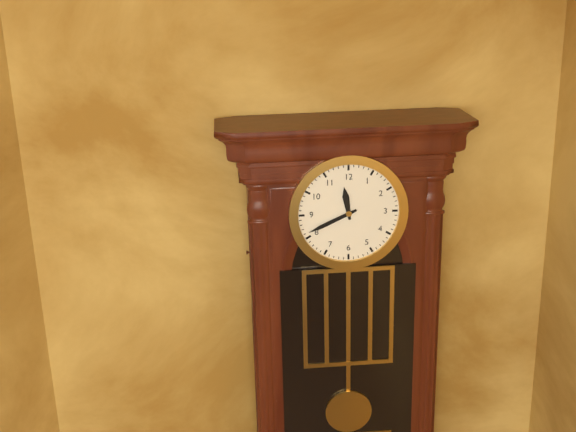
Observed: 11:41
